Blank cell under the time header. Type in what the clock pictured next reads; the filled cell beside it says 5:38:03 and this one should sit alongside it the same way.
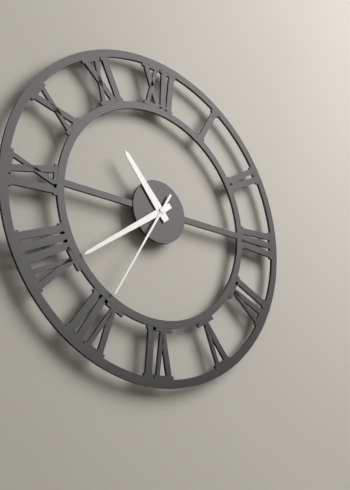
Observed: 10:39:35
